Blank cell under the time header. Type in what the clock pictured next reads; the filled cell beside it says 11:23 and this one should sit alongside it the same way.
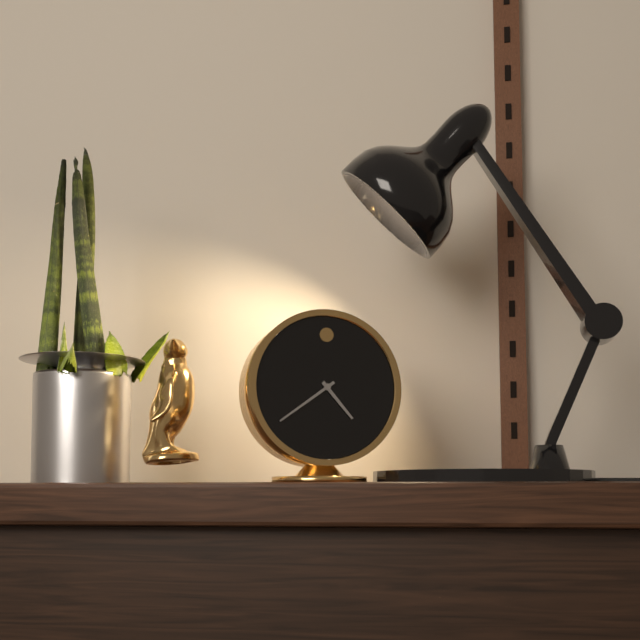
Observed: 4:39
